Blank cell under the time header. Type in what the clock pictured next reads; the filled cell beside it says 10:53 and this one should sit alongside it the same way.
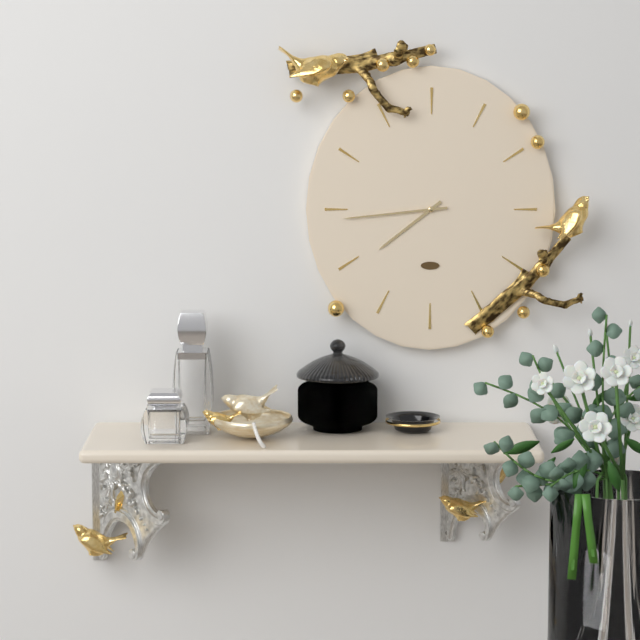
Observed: 7:44
